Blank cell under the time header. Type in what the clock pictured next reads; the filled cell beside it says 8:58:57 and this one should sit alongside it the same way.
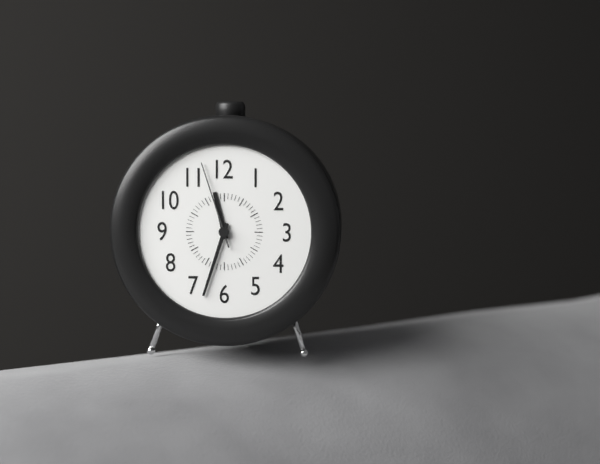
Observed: 11:33:57
